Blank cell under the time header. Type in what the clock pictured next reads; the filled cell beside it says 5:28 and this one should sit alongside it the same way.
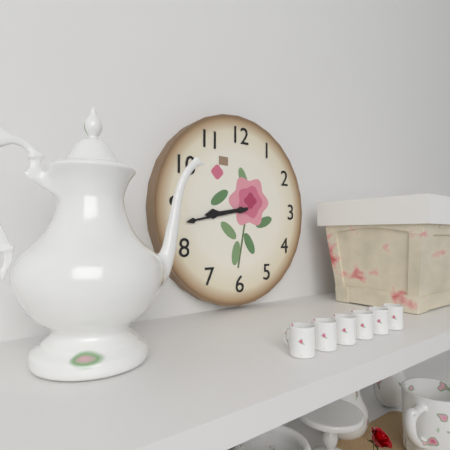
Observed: 8:43
